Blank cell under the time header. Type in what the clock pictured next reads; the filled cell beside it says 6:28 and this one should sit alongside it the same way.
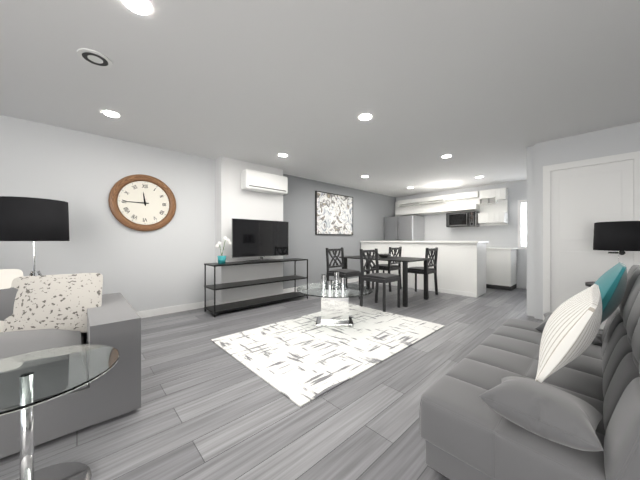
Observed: 11:45
